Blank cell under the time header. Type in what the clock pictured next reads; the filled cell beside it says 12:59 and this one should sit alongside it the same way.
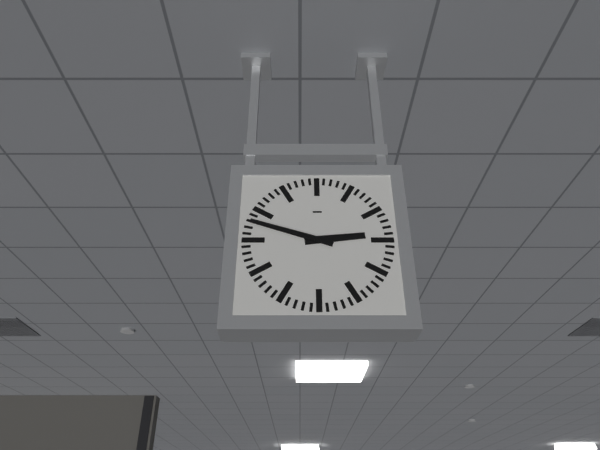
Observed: 2:48
